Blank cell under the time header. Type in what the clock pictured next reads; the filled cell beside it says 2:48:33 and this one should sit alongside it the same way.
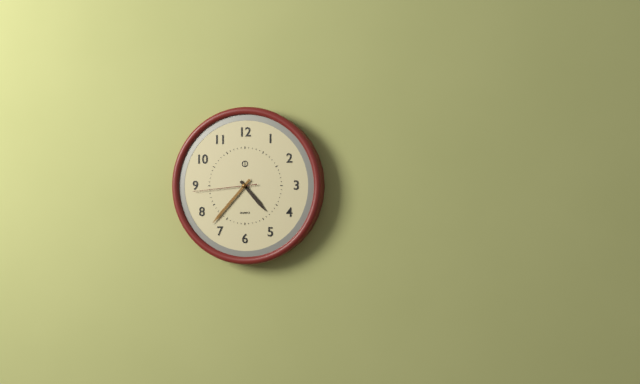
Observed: 4:37:44
